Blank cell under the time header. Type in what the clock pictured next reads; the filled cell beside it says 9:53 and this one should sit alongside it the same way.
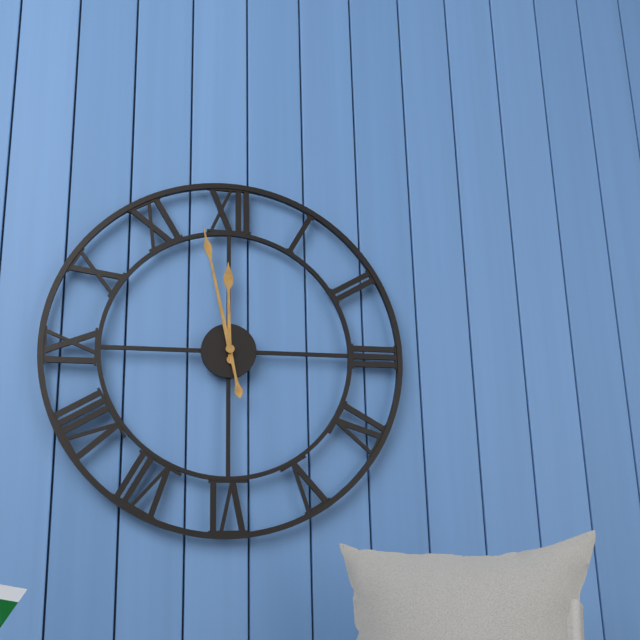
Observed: 11:58
